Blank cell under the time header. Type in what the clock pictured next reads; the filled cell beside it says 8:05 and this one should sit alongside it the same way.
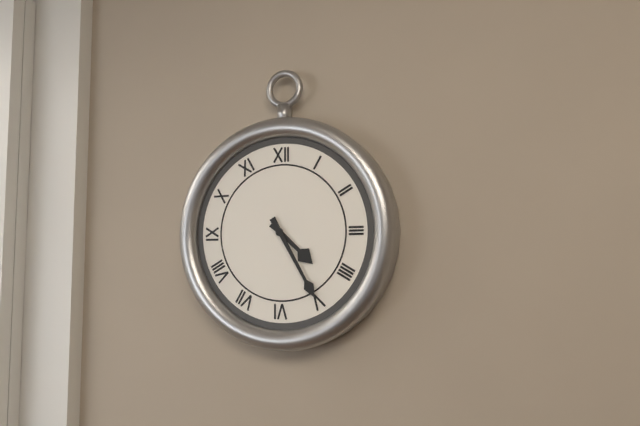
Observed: 4:25
